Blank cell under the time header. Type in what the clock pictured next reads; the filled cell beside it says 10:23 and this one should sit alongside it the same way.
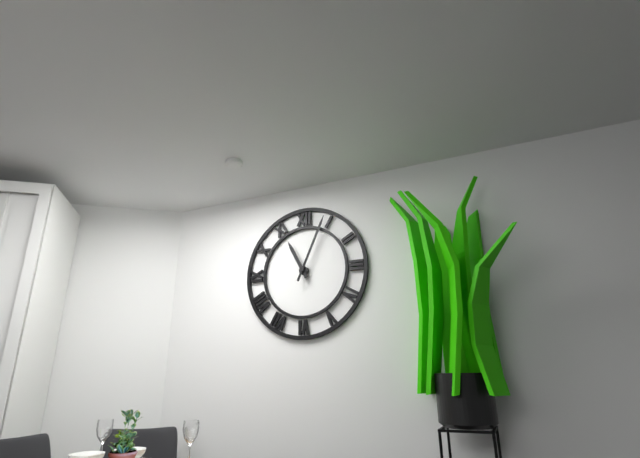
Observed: 11:04
